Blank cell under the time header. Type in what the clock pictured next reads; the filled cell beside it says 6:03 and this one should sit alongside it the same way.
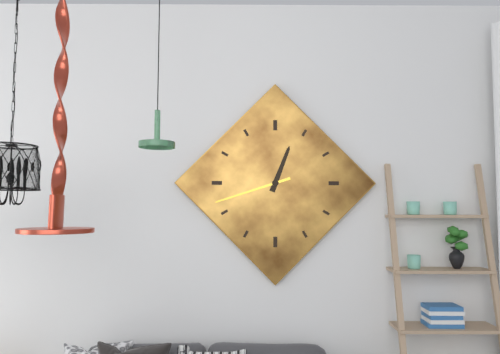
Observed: 12:42
